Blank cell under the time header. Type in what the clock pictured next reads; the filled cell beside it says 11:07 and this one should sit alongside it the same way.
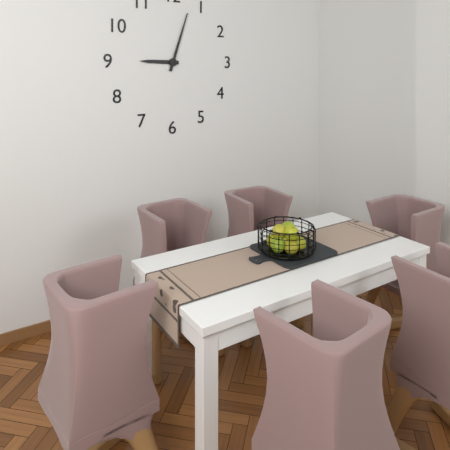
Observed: 9:03
